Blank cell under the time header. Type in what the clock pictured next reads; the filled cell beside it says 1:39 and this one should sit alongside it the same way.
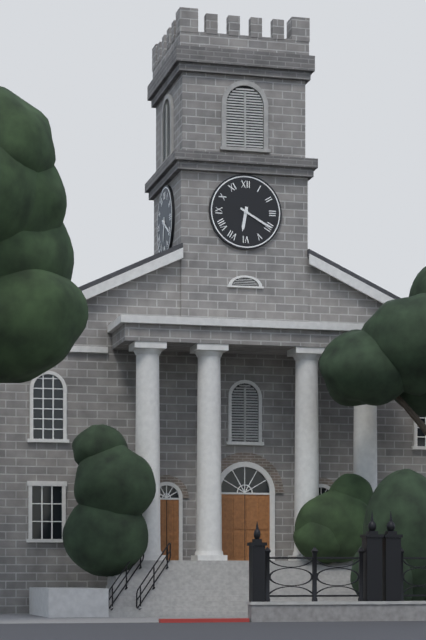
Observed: 6:20
